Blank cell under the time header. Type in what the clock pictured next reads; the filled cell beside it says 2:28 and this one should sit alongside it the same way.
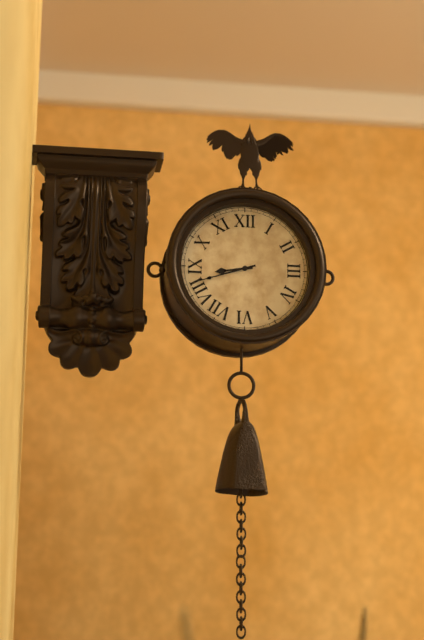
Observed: 8:42
